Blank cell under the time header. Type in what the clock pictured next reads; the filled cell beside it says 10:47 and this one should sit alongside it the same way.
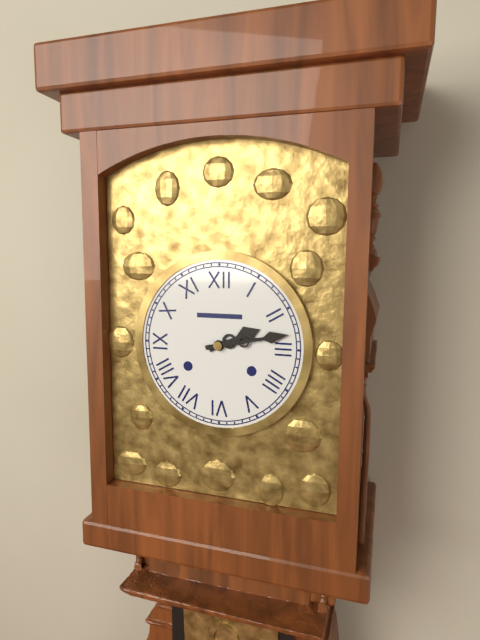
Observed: 2:13
